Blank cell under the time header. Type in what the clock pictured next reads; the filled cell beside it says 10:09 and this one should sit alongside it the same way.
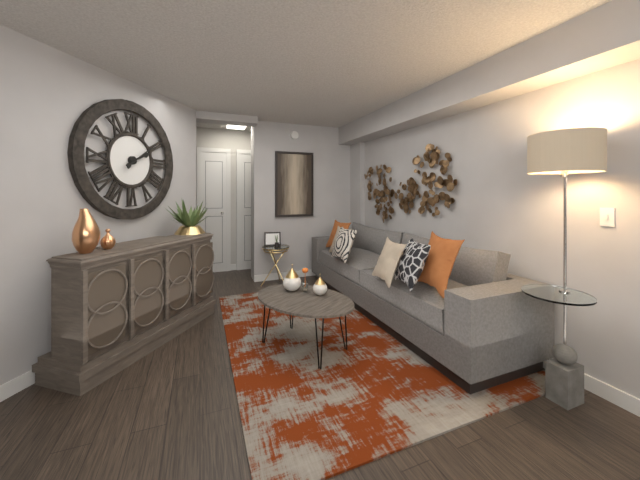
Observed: 2:09
